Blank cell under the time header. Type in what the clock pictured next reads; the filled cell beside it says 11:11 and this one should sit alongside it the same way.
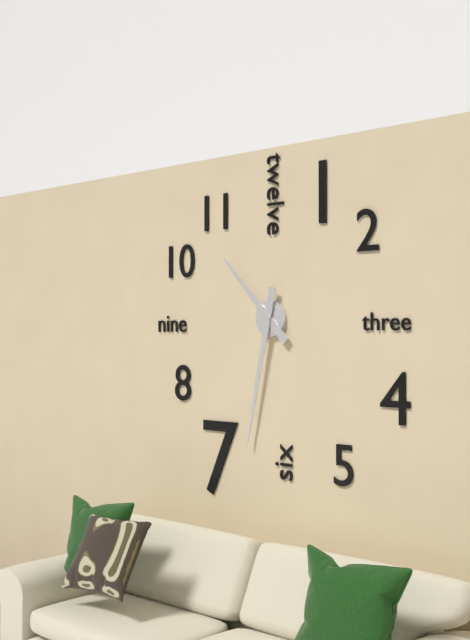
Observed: 10:32
